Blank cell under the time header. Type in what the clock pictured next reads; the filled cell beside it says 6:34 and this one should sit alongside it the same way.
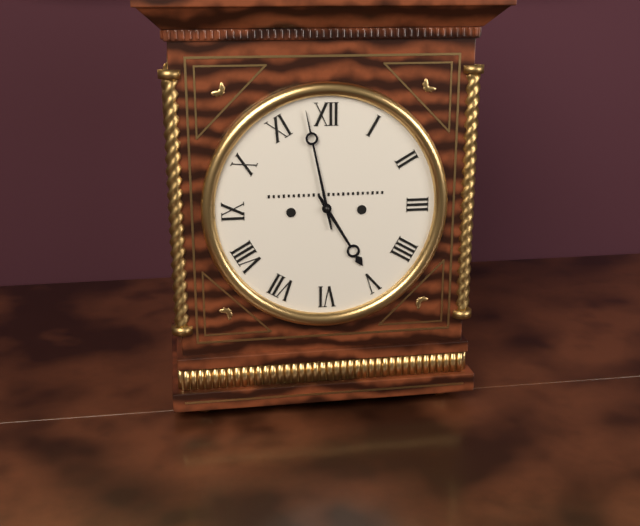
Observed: 4:58
